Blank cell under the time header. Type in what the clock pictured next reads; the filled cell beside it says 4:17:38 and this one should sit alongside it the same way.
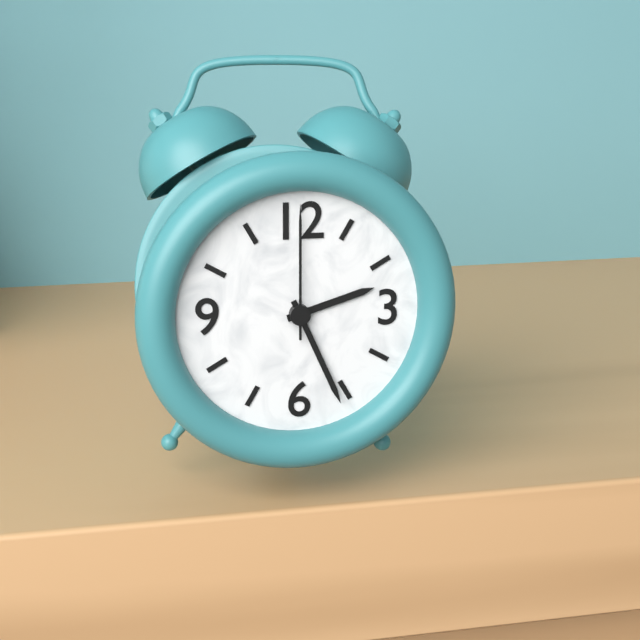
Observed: 2:26:00
